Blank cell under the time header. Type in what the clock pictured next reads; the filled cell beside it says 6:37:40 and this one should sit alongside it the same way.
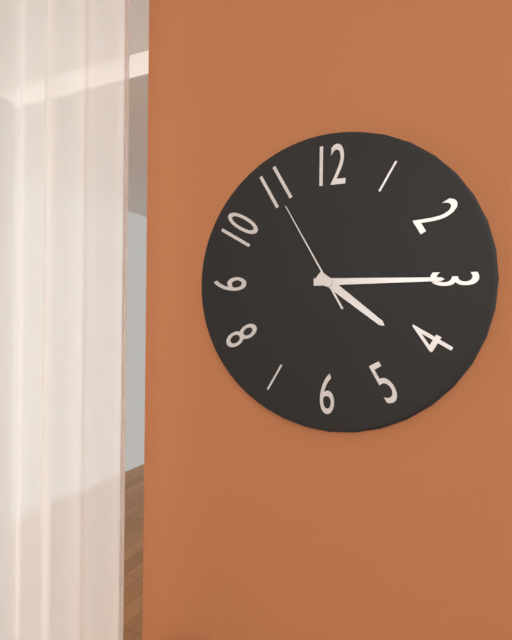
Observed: 4:15:55
